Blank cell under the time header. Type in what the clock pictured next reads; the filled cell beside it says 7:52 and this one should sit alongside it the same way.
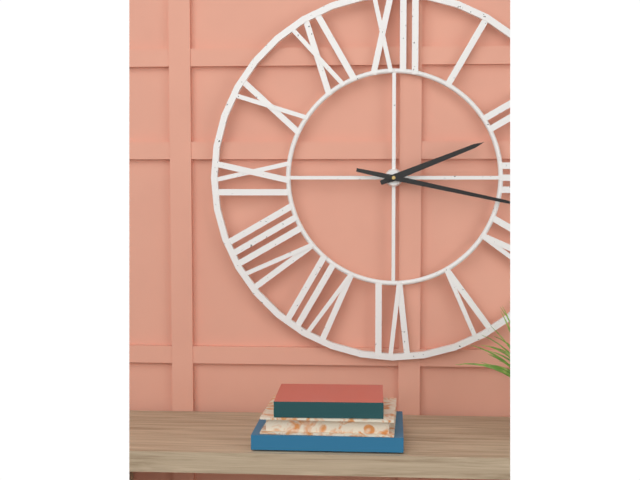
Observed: 2:17
